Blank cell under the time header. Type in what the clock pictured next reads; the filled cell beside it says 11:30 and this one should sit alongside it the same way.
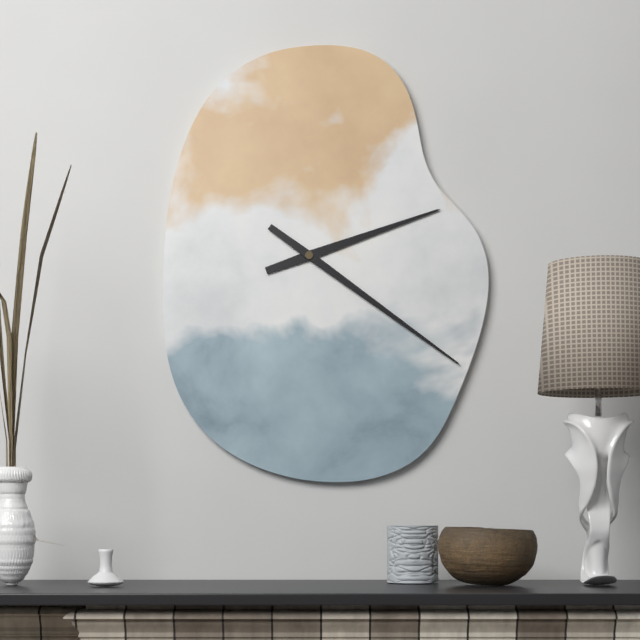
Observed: 2:21
